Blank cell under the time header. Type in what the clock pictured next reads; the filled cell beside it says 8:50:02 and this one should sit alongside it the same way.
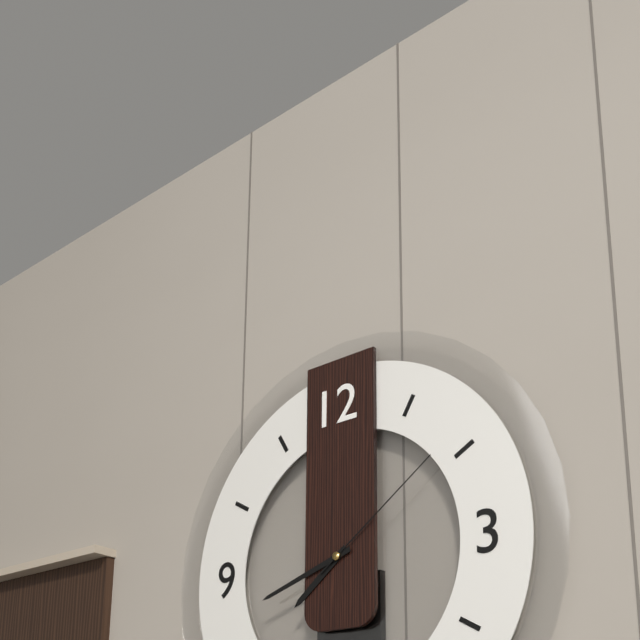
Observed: 7:42:09
